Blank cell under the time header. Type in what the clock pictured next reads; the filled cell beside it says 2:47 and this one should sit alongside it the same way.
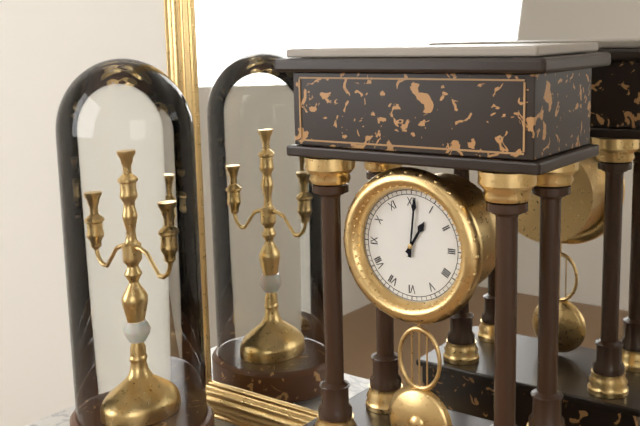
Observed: 1:01
